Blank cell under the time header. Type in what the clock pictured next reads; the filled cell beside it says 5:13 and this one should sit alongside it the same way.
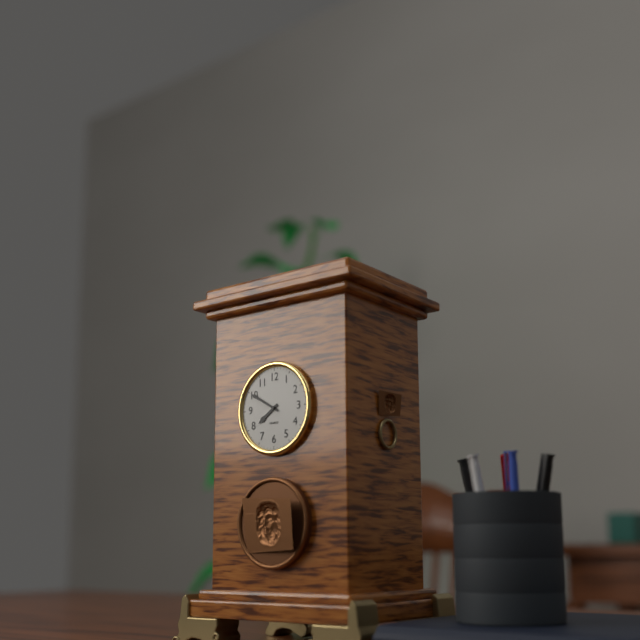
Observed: 7:50
